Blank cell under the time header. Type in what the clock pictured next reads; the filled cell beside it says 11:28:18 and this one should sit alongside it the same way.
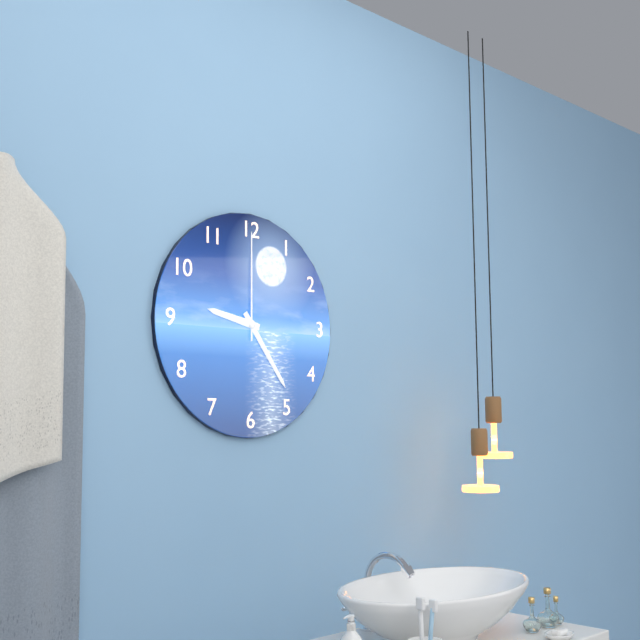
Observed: 9:24:00
